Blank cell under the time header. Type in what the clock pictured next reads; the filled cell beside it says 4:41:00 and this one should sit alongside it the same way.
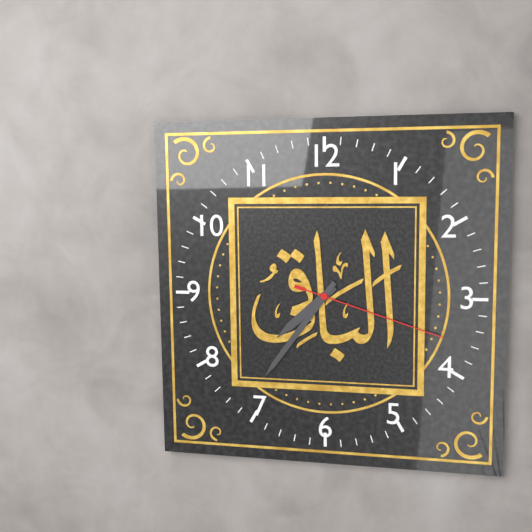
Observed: 7:36:18
